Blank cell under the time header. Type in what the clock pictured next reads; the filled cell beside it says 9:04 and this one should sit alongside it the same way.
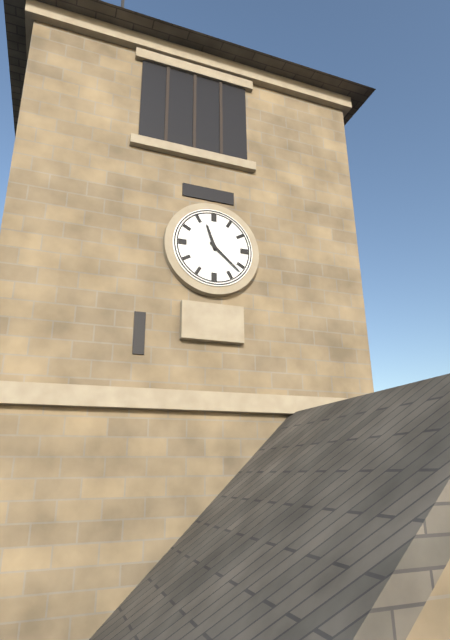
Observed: 11:22
